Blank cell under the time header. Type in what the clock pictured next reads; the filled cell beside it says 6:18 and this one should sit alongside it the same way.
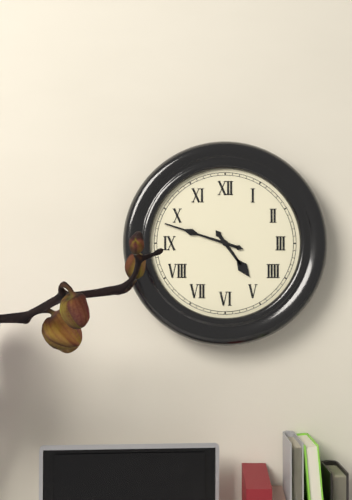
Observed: 4:48
